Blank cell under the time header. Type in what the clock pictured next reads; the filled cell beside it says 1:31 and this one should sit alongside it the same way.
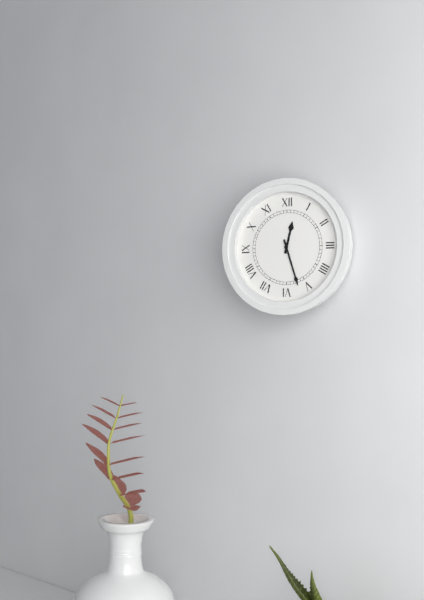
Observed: 12:27
